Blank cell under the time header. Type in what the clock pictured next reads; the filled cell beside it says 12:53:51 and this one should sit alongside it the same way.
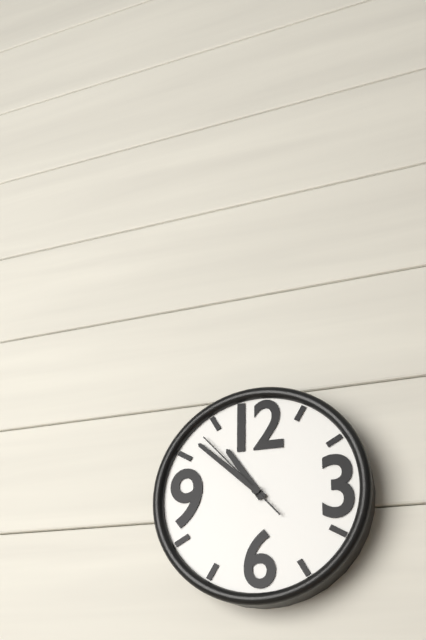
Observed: 10:52:53
